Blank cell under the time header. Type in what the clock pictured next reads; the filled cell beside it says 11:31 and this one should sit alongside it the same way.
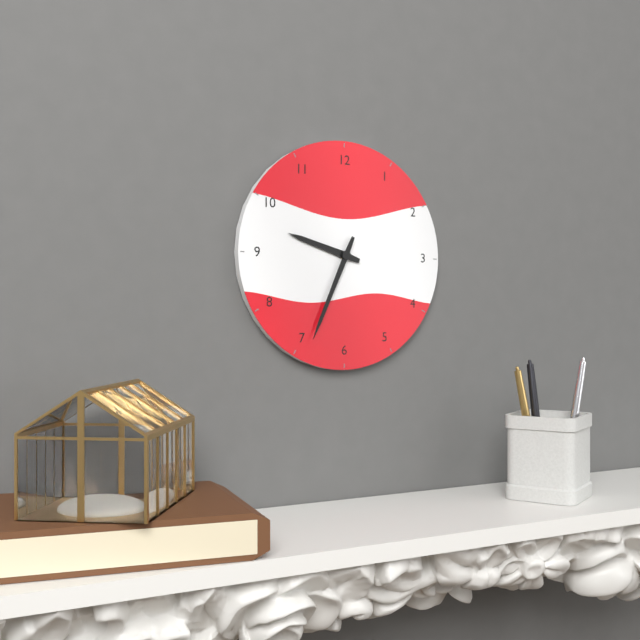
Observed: 9:34
